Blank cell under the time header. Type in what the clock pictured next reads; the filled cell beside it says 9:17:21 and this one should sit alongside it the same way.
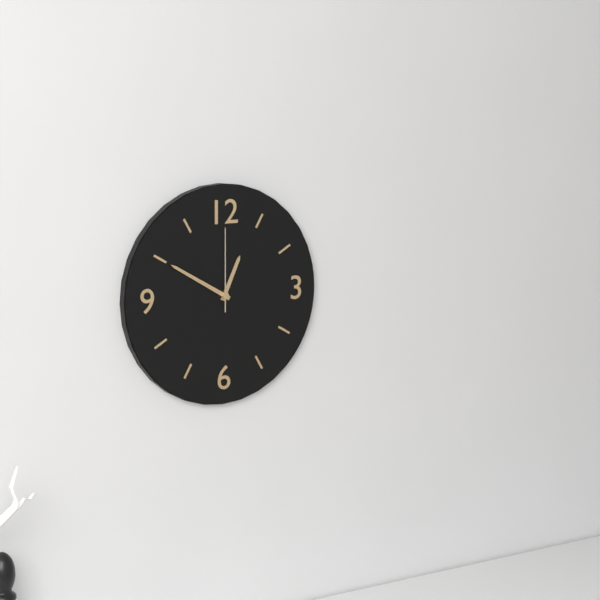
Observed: 12:50:00
